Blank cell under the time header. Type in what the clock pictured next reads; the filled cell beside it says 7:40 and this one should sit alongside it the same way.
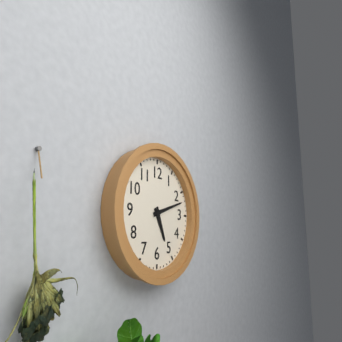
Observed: 5:12
